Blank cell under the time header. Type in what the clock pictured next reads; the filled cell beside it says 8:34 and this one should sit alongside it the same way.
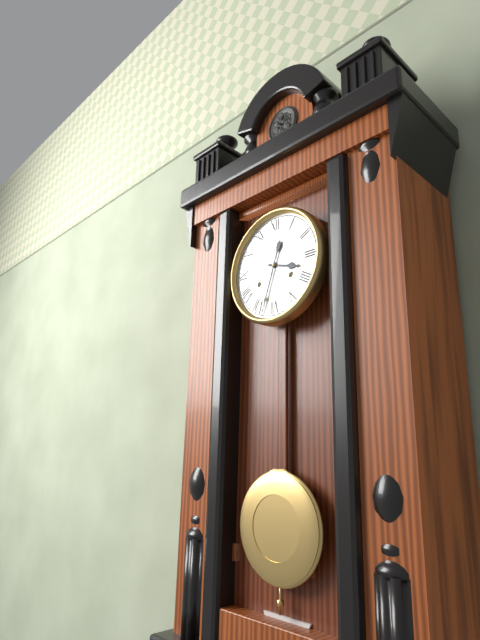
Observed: 3:33
